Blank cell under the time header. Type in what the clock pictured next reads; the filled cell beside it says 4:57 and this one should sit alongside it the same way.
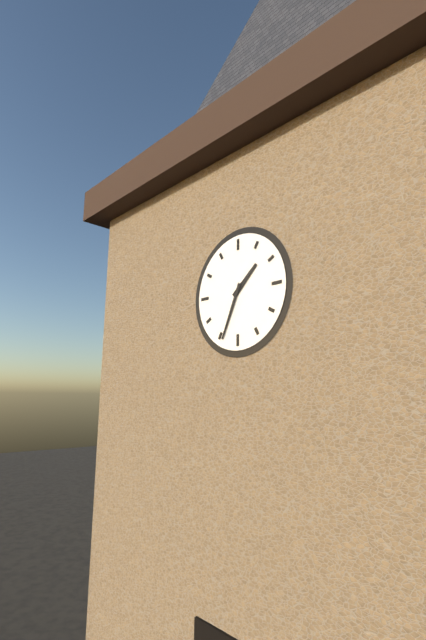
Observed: 1:34
